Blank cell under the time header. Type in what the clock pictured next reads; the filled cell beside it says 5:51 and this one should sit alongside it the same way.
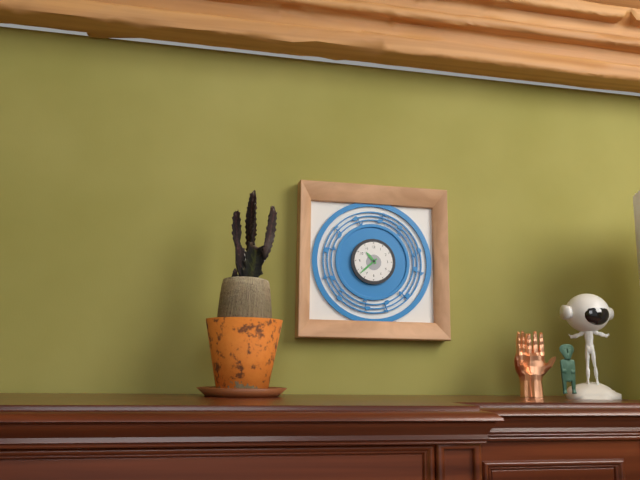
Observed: 10:38
